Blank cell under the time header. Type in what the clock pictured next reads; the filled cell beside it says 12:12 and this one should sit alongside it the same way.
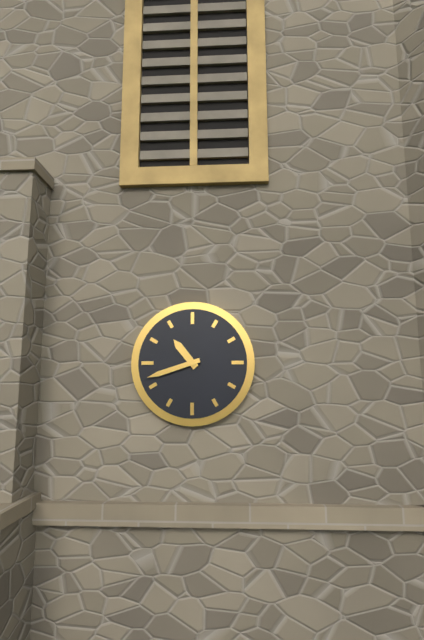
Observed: 10:42
